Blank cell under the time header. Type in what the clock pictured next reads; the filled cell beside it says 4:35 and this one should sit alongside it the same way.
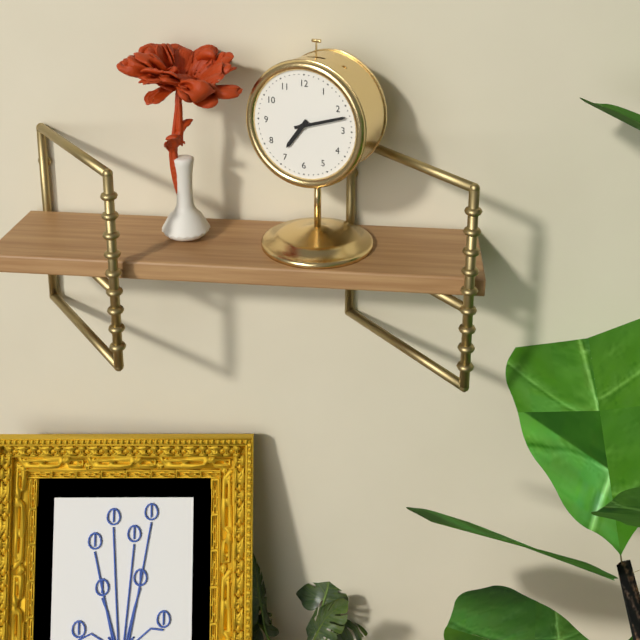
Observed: 7:12
